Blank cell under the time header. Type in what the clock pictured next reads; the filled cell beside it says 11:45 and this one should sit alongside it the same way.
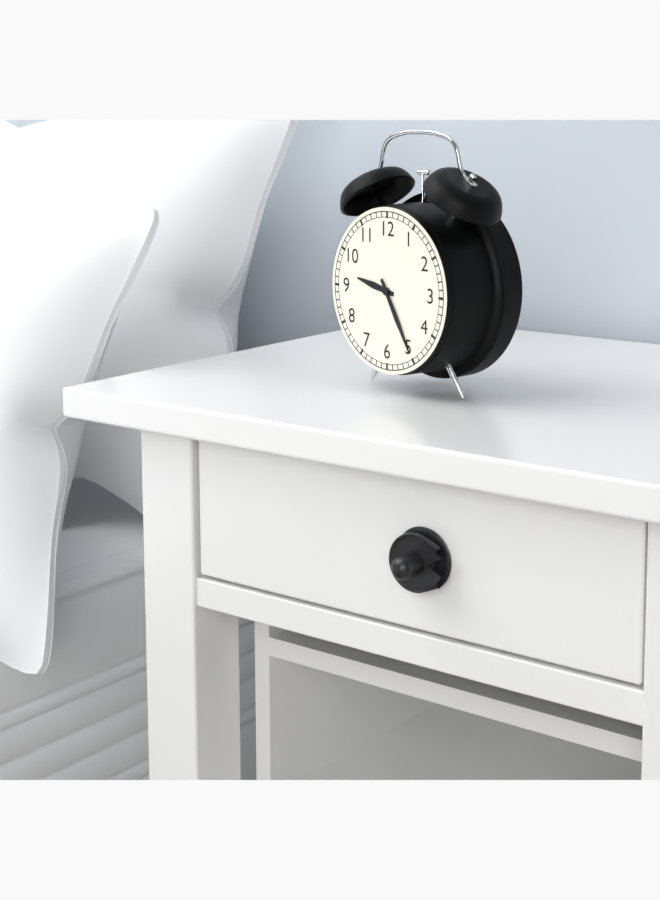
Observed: 9:25
